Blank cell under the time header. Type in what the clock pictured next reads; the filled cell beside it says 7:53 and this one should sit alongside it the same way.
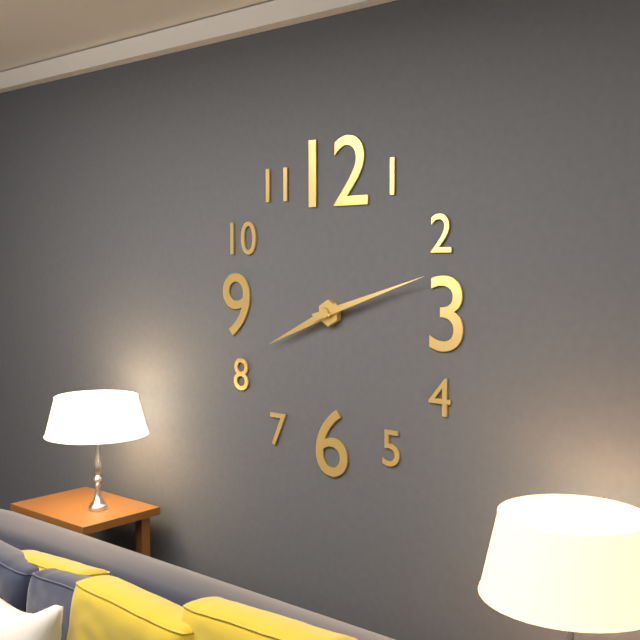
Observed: 8:12
